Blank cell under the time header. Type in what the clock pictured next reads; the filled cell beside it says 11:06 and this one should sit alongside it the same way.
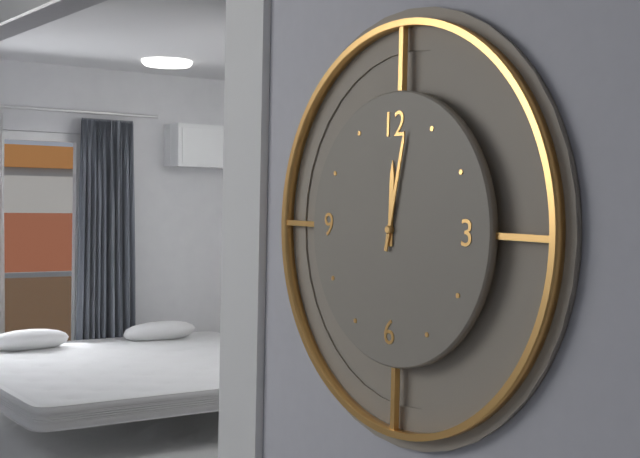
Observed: 12:02
